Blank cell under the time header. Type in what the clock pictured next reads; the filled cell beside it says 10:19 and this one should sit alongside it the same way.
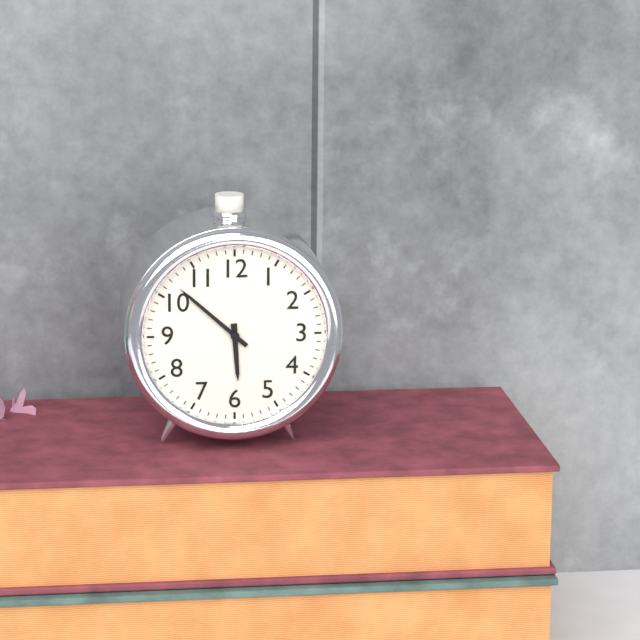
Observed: 5:52
